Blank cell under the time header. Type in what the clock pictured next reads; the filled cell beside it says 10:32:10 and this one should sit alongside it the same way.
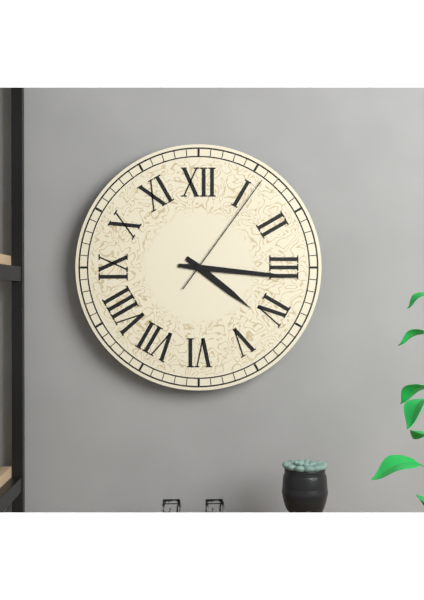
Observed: 4:16:06
